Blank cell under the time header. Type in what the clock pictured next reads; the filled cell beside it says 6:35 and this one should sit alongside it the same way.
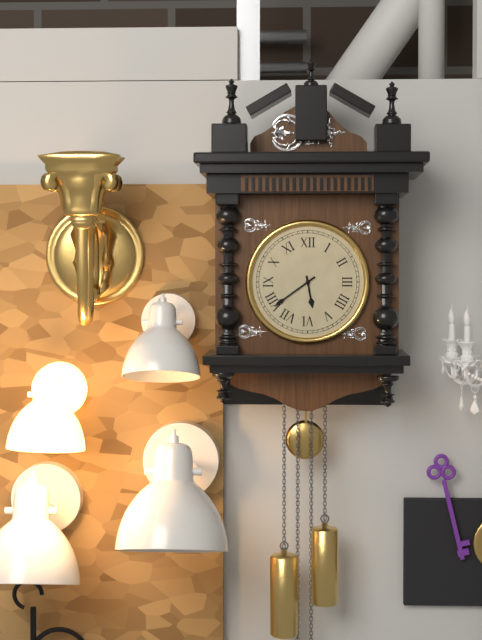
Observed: 5:39
